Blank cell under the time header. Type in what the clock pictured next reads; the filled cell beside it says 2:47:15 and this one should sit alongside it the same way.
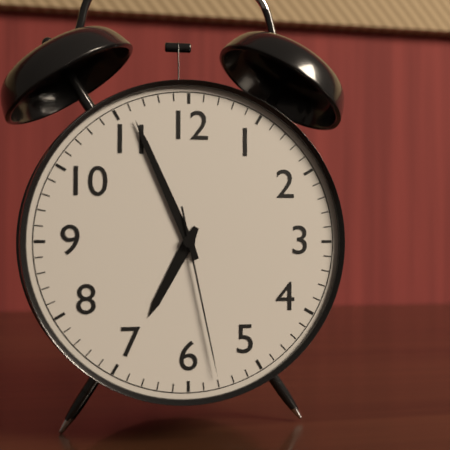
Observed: 6:56:28
